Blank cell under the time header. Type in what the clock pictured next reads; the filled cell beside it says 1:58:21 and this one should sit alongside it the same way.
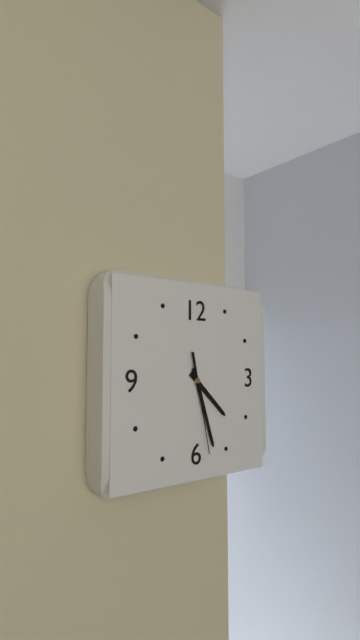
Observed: 4:27:28
